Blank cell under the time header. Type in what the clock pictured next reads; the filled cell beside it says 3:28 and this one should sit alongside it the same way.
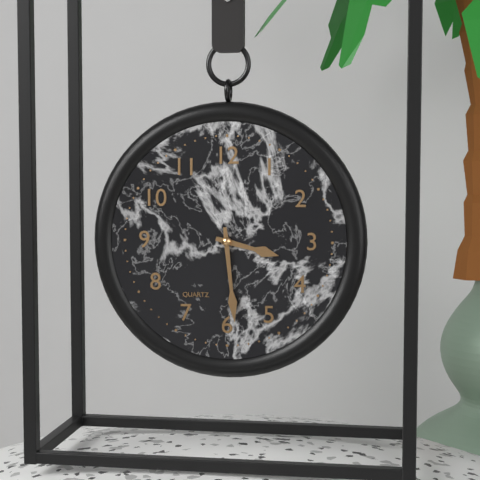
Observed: 3:29
